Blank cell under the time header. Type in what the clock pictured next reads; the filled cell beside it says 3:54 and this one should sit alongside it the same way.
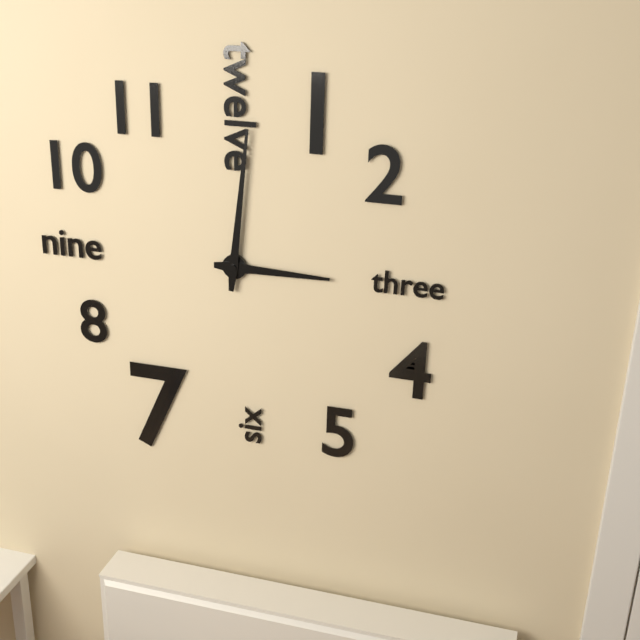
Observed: 3:01
